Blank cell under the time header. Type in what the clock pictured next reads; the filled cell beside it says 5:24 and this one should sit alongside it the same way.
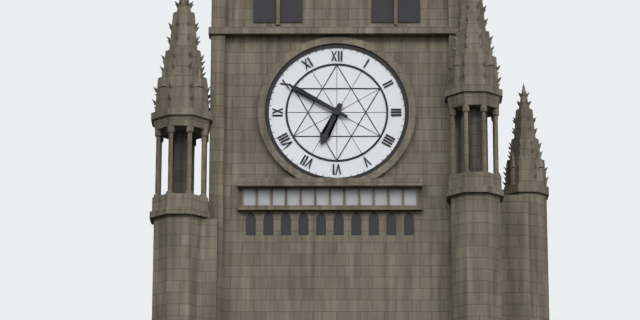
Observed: 6:50
